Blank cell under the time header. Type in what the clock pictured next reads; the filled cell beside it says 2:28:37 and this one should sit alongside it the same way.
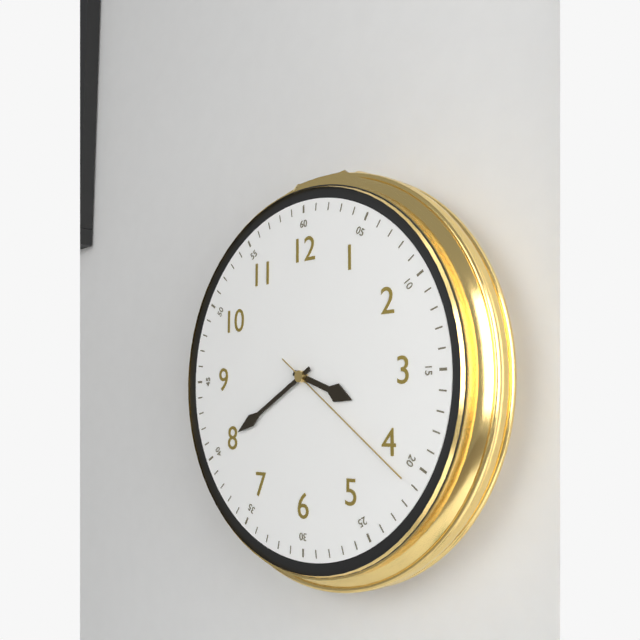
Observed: 3:40:21
